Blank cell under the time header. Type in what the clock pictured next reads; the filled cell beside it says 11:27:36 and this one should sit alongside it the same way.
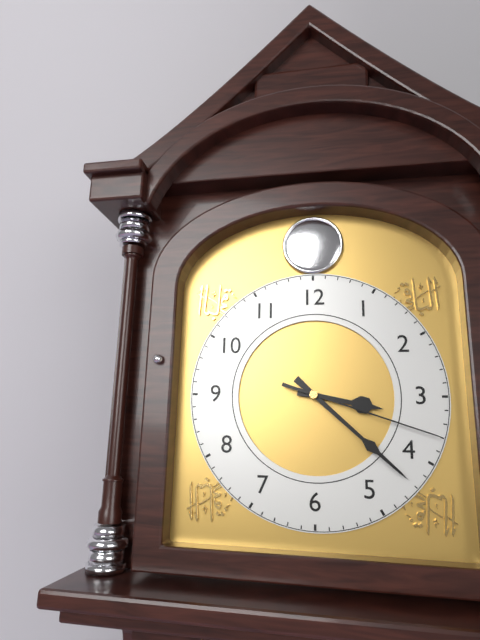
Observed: 3:22:18
